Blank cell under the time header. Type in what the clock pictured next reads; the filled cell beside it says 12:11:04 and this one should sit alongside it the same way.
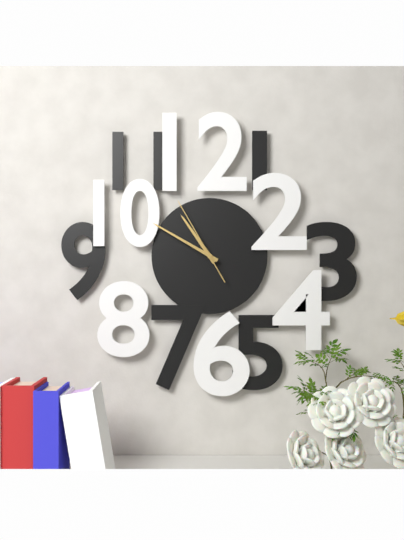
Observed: 10:50:55
